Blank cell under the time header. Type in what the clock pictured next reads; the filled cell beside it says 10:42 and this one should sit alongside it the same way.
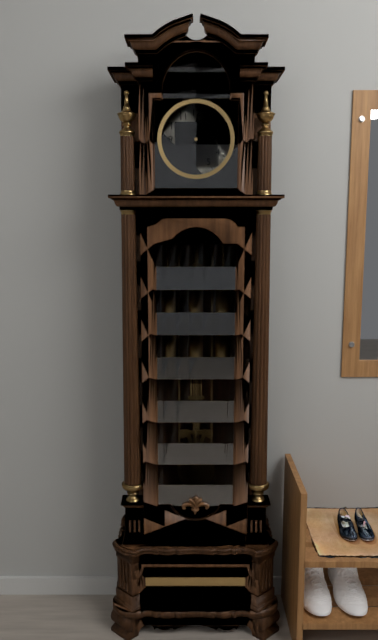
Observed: 12:06
